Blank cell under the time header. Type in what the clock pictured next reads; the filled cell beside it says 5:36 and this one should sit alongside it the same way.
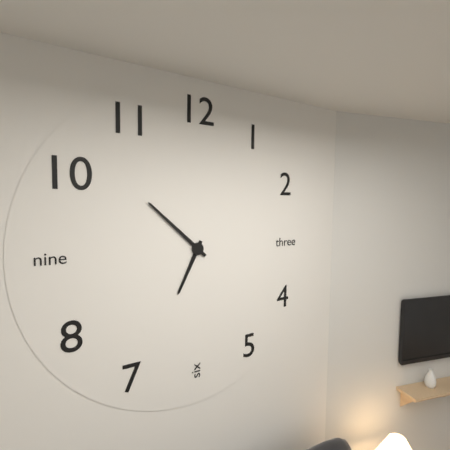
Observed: 6:52
